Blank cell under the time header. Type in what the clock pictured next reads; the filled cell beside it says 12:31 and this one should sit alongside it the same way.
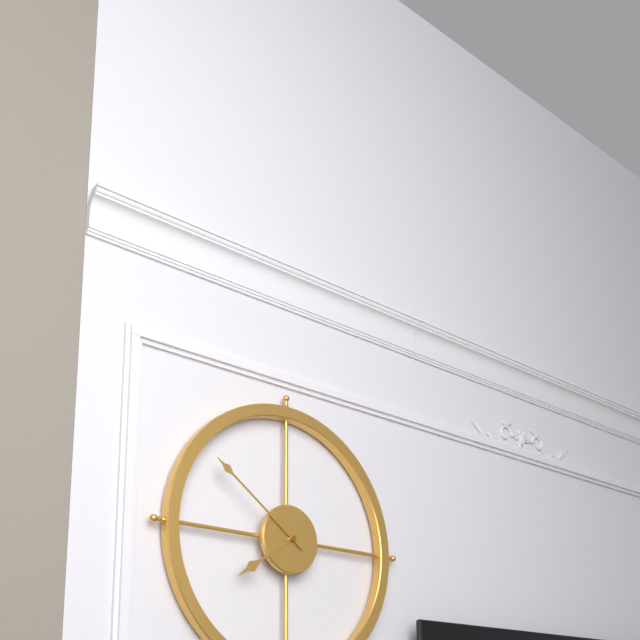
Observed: 7:51
